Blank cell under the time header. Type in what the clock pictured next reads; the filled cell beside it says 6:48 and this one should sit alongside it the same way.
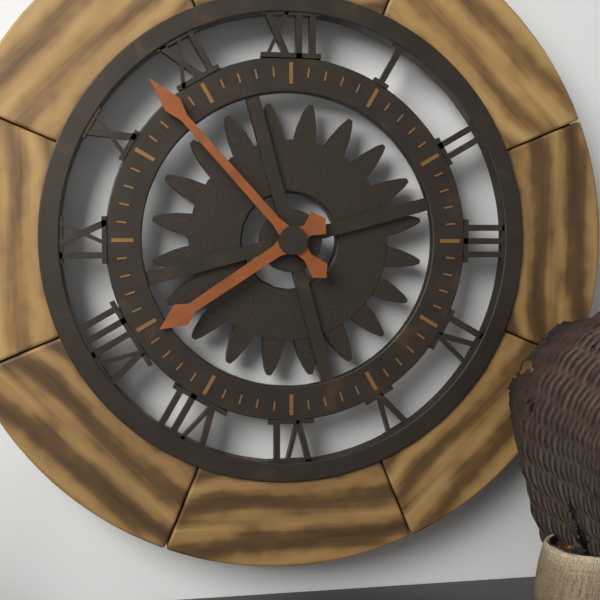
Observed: 7:53
